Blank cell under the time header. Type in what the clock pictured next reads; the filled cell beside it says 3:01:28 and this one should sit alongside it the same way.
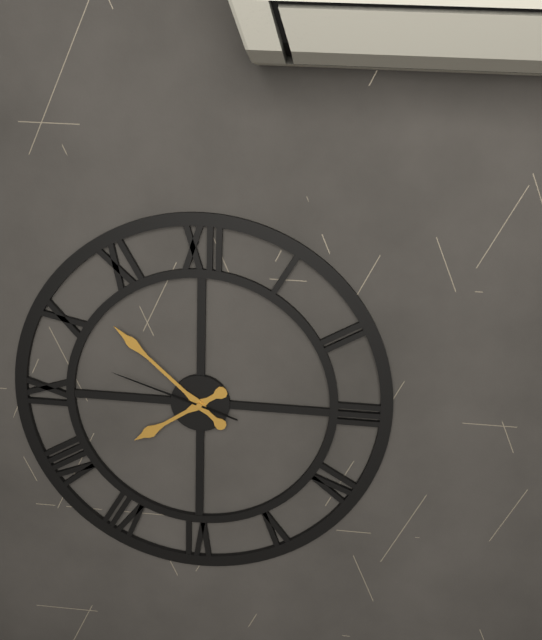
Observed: 7:52:48
